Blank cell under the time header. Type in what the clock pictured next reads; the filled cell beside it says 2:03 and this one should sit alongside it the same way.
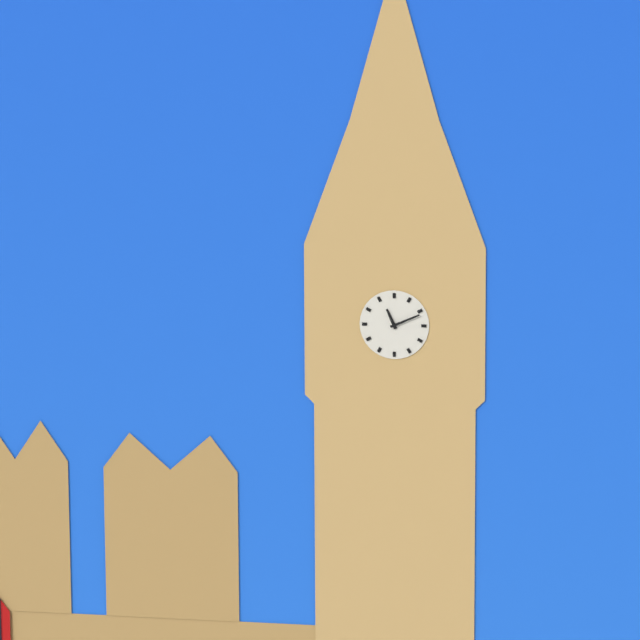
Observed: 11:11
